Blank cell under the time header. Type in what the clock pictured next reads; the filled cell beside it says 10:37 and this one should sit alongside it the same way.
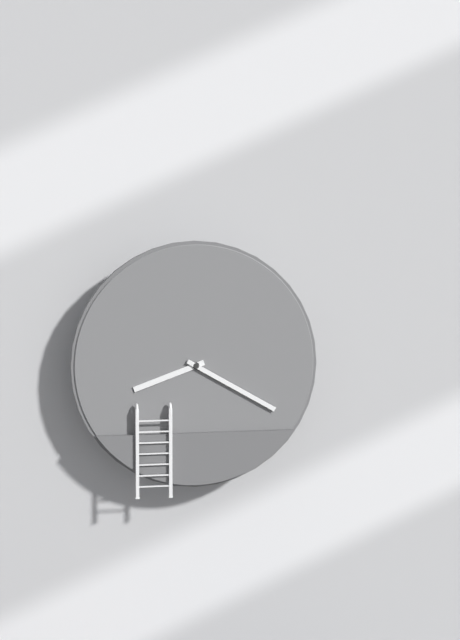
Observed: 8:20
